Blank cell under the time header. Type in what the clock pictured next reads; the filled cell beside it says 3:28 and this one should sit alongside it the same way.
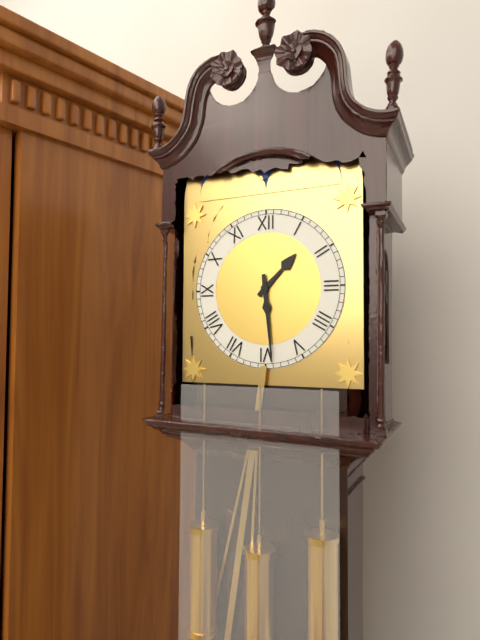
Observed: 1:29
